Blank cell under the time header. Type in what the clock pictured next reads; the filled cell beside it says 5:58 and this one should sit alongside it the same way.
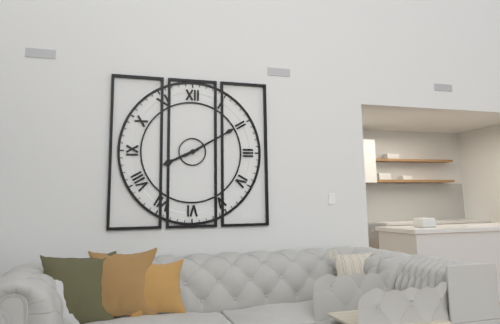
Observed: 8:10
